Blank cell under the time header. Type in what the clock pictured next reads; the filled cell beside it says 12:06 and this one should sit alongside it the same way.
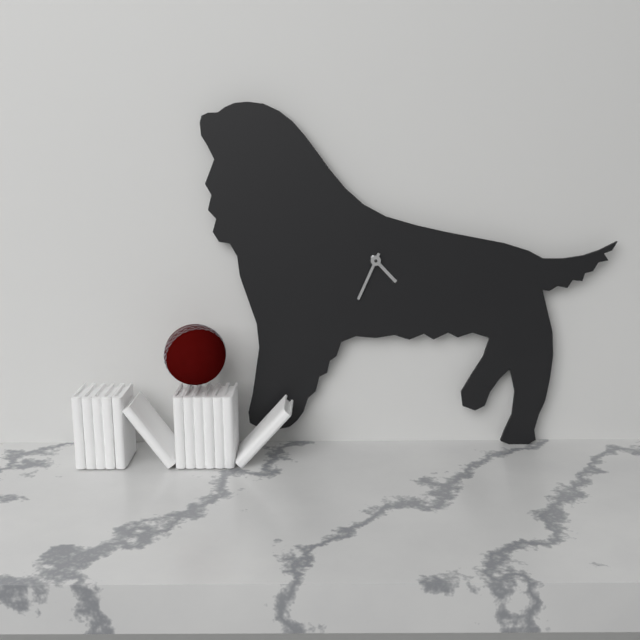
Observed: 4:34
